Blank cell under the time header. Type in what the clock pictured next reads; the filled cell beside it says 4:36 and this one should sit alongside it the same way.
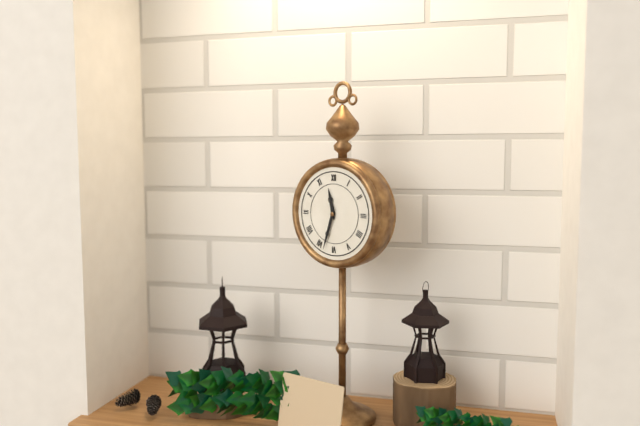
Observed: 11:33
